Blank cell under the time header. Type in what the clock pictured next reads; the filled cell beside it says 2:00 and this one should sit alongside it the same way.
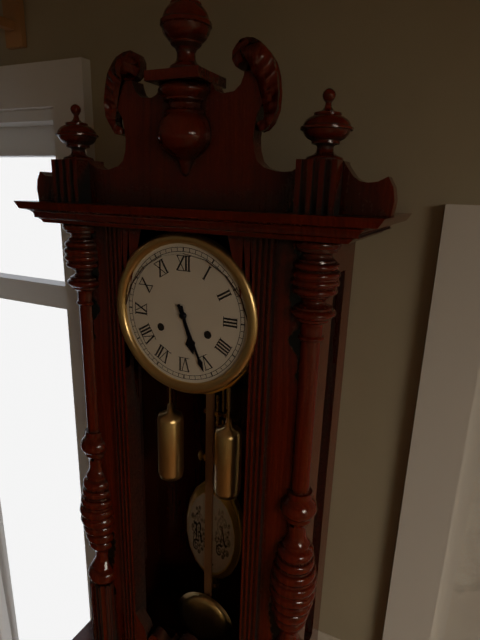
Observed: 5:26
